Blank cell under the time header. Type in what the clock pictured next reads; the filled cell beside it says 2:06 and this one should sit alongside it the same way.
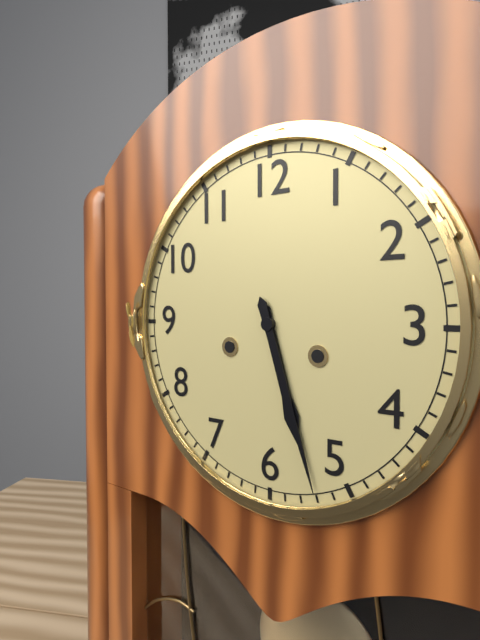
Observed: 5:27
